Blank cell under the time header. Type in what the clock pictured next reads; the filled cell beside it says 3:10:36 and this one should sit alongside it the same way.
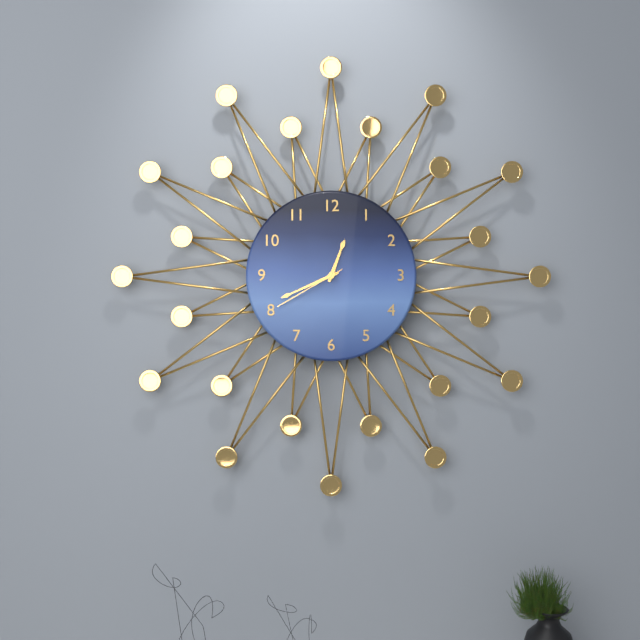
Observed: 12:41:40
